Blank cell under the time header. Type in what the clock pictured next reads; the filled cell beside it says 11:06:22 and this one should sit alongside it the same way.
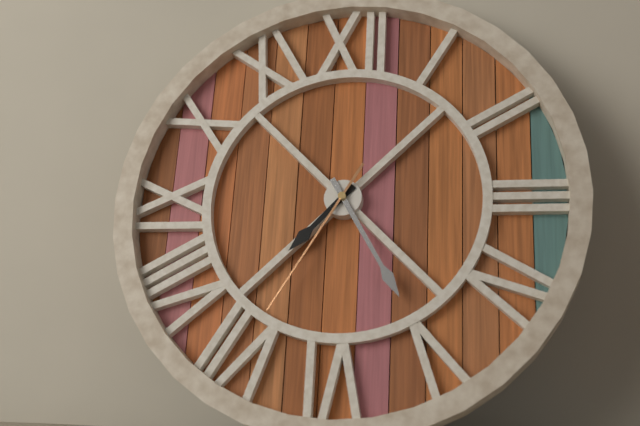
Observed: 7:25:35
